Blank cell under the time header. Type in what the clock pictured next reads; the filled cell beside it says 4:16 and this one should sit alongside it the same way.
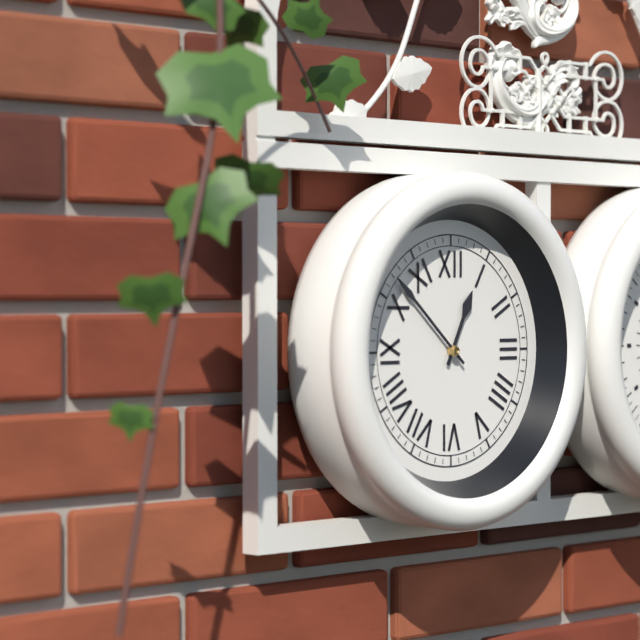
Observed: 12:52
